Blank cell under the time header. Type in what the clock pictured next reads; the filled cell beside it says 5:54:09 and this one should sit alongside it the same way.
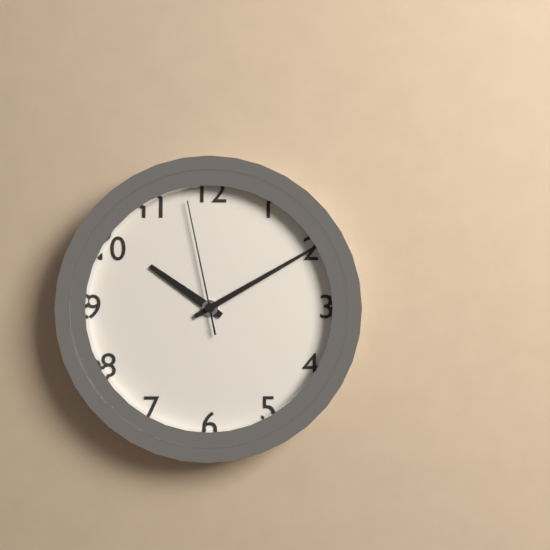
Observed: 10:10:58
